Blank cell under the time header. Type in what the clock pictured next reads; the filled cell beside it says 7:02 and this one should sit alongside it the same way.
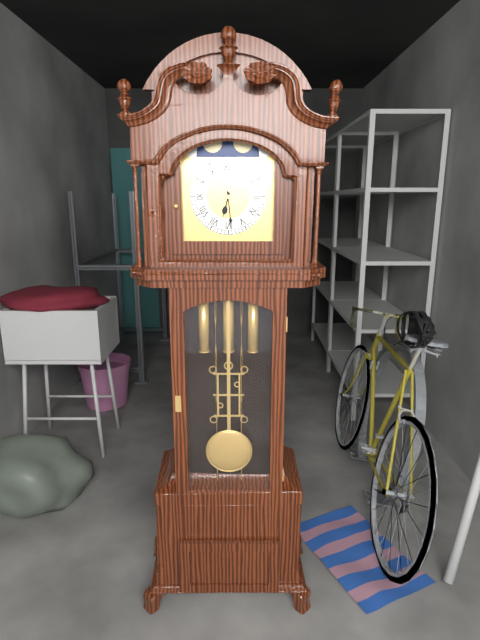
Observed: 6:29
